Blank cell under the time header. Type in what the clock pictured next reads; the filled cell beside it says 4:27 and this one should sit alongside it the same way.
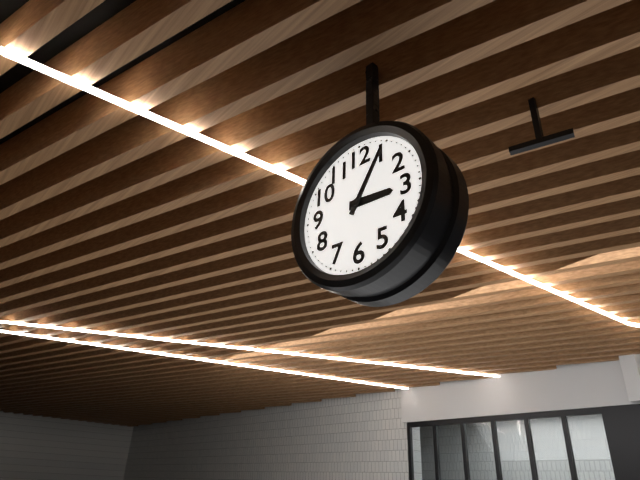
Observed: 3:05
